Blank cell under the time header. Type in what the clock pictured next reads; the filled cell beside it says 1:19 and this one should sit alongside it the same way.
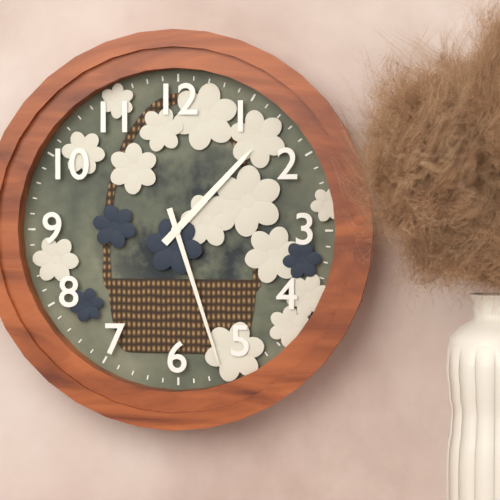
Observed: 1:27
